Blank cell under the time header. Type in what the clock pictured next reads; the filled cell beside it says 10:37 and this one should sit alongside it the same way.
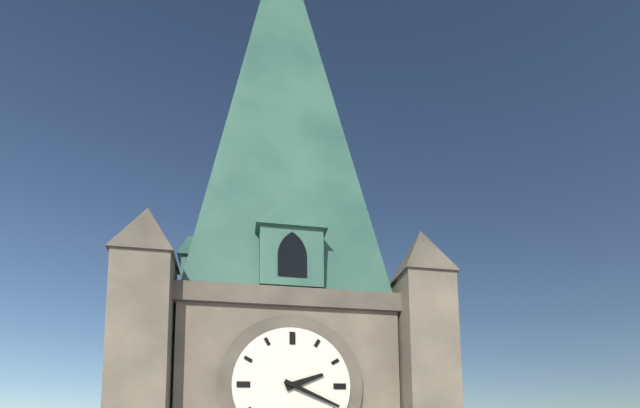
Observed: 2:19
